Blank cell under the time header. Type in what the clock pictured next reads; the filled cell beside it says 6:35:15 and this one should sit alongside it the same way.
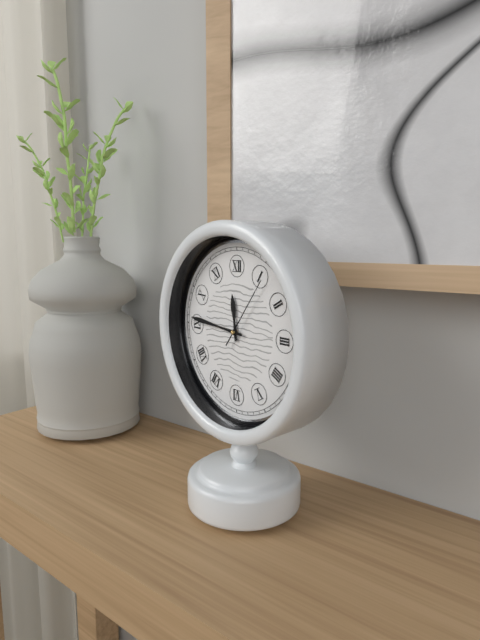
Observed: 11:46:06
